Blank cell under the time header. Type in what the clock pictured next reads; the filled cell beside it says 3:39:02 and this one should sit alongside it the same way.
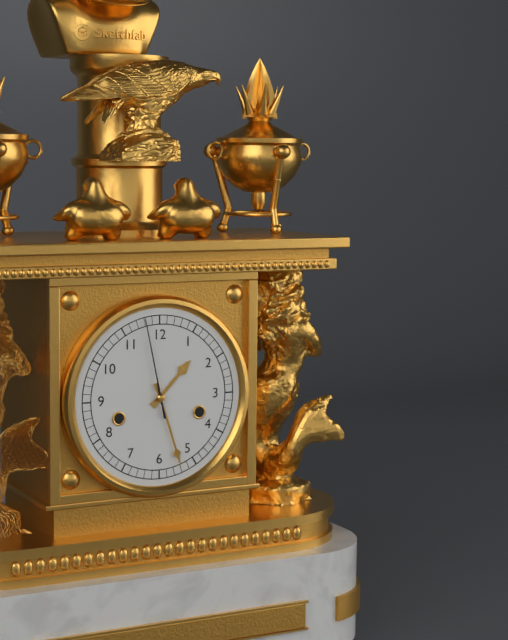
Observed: 1:27:58
